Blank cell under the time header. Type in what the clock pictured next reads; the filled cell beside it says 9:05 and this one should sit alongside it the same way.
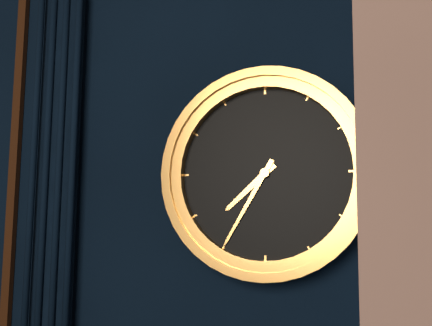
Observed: 7:35
